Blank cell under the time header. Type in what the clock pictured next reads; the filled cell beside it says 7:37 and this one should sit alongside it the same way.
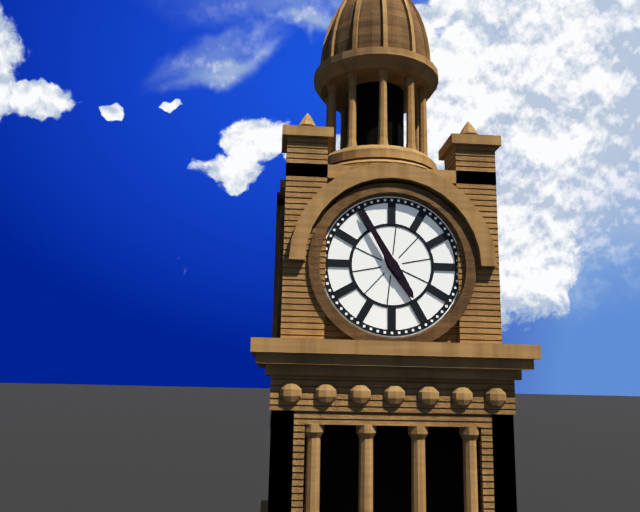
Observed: 4:55
